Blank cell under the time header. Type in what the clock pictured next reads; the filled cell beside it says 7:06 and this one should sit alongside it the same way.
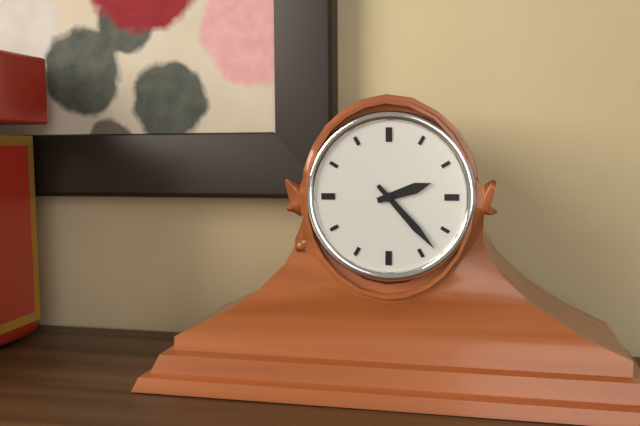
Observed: 2:23
